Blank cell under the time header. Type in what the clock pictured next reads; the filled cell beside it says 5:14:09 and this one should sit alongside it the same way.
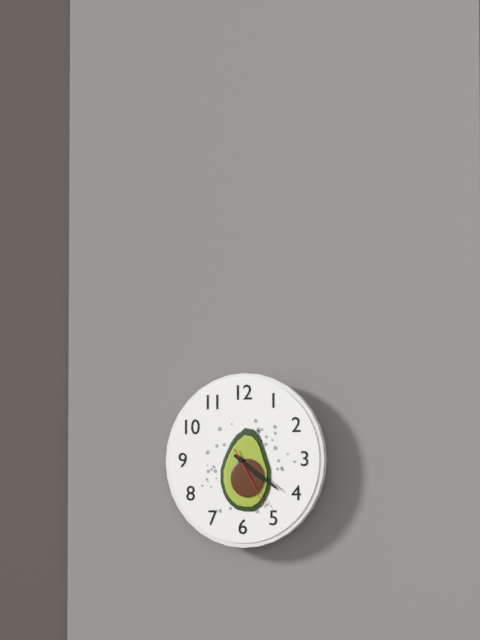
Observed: 4:21:25
